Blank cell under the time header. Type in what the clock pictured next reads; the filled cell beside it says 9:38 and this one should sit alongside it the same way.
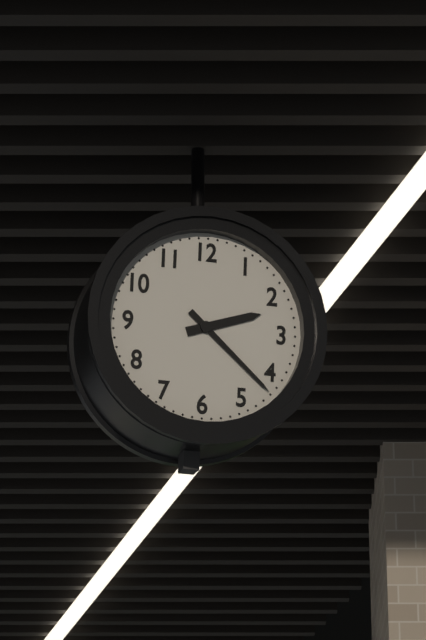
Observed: 2:22
